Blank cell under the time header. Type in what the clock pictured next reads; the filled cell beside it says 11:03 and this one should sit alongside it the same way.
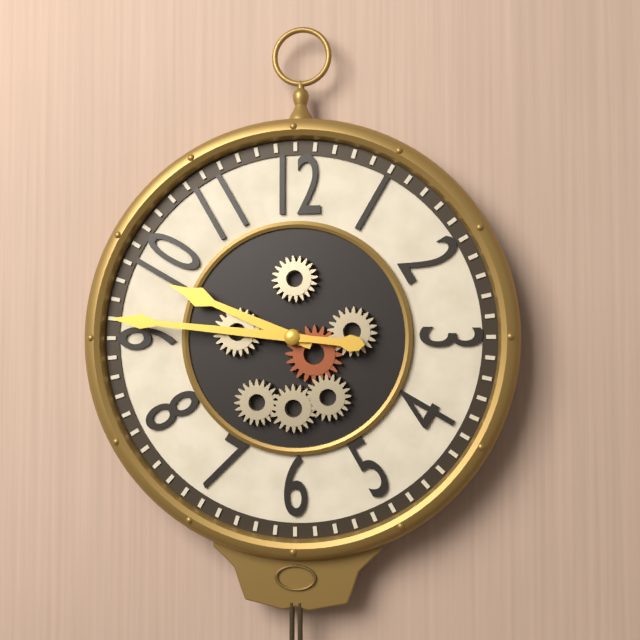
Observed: 9:46
